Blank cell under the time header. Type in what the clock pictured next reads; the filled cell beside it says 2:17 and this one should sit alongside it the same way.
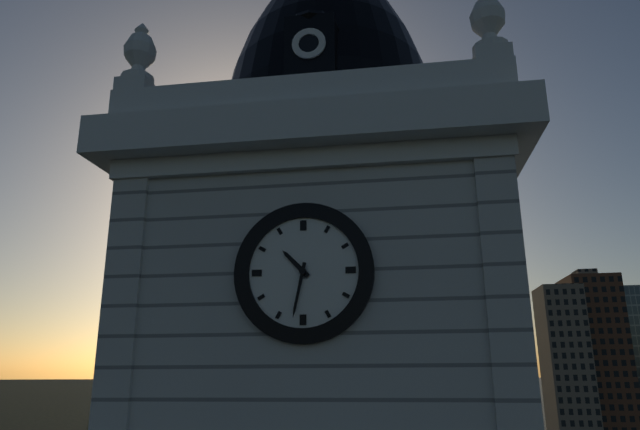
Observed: 10:32
